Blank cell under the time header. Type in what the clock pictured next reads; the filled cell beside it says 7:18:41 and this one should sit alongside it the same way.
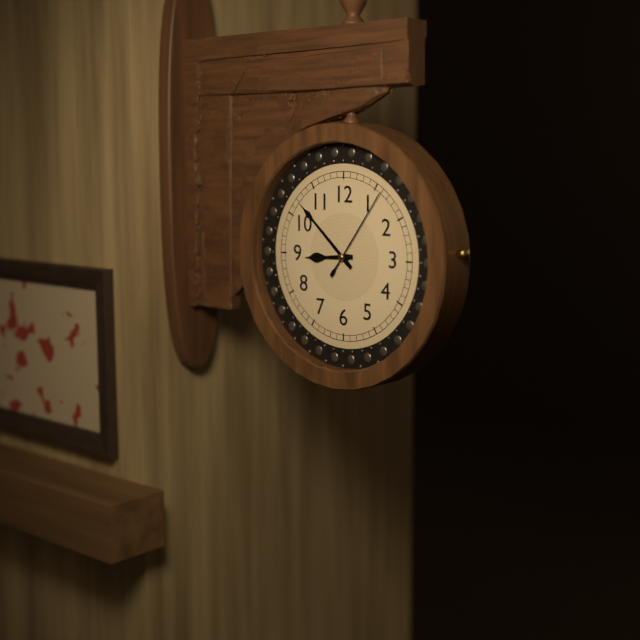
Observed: 8:52:06
